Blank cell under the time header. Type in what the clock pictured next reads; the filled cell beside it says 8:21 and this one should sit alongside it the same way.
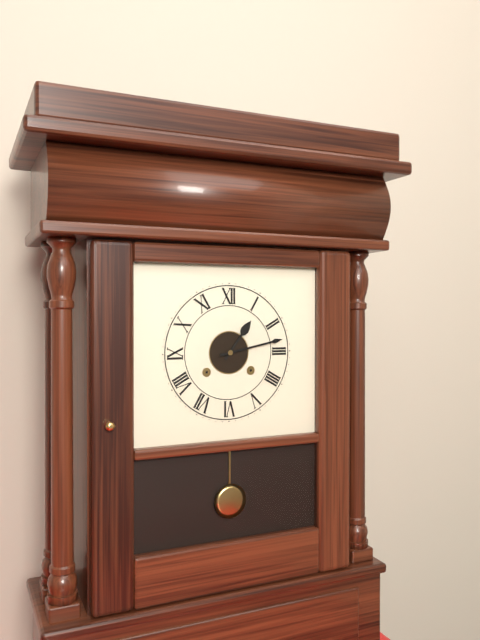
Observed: 1:13
